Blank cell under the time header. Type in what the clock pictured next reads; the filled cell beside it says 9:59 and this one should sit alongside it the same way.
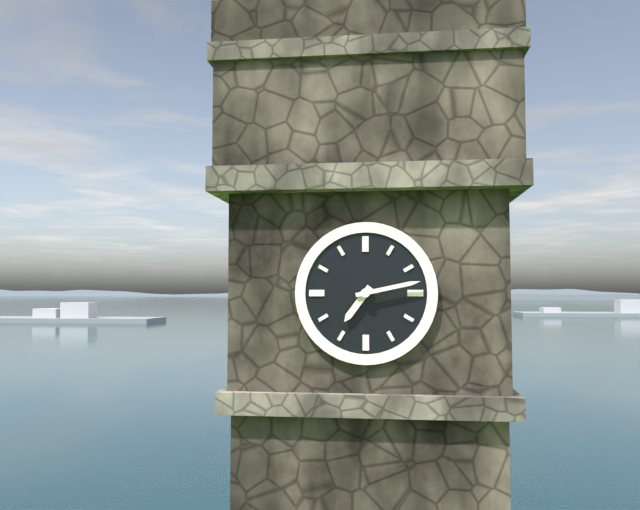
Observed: 7:13
